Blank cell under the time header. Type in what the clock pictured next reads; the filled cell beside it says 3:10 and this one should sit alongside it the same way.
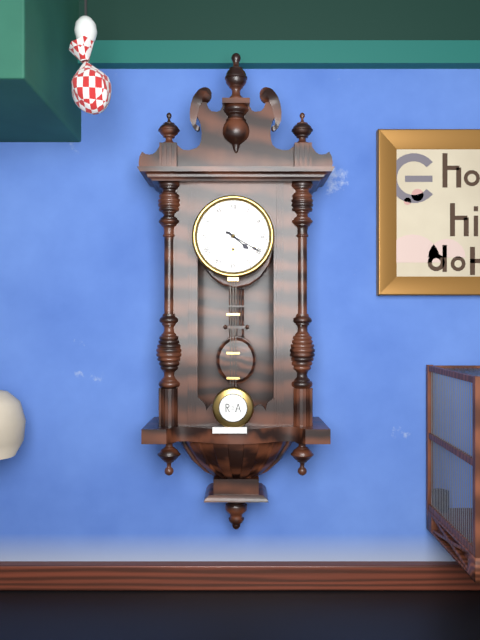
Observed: 4:20
